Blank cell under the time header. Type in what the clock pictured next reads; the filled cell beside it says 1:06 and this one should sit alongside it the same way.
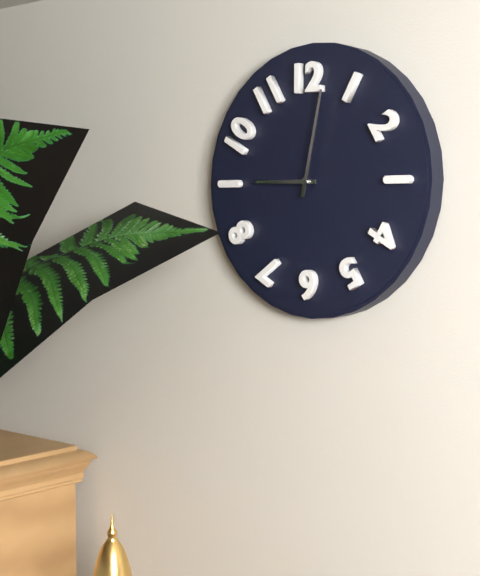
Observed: 9:02
